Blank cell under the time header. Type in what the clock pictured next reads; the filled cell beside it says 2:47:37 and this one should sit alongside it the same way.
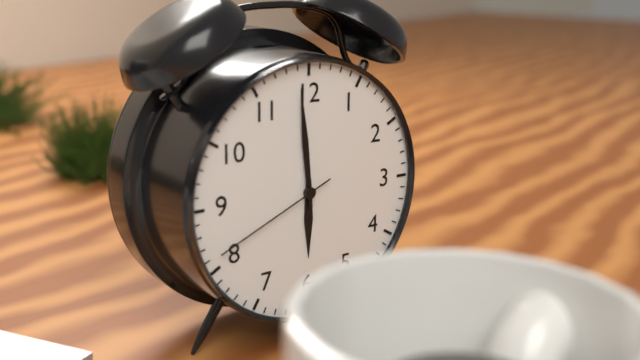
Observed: 5:59:41
